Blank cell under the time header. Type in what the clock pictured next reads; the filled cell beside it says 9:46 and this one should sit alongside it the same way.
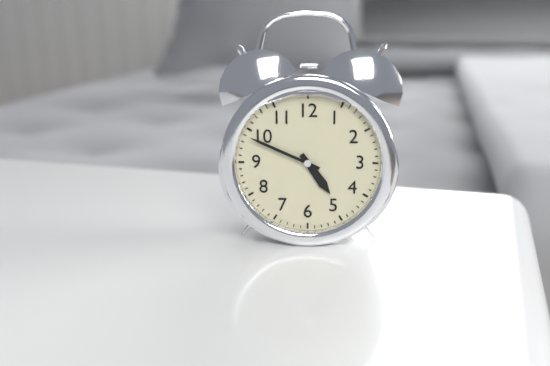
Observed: 4:49
